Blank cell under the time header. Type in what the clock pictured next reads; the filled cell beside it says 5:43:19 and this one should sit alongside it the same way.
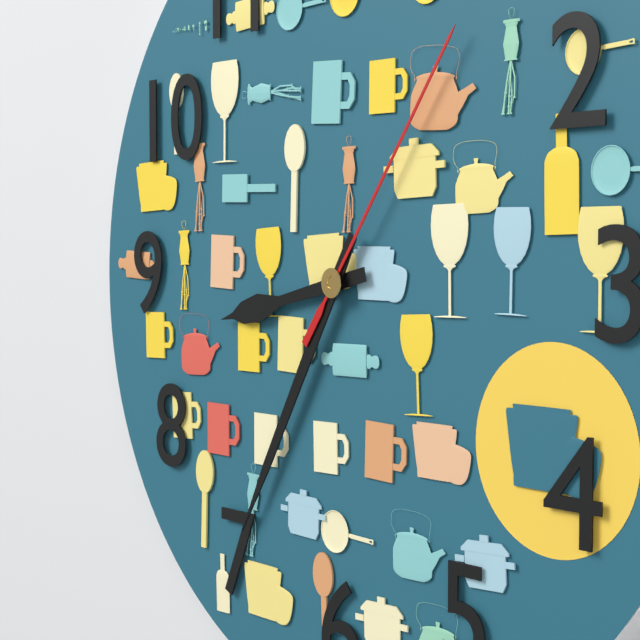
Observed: 8:35:06
